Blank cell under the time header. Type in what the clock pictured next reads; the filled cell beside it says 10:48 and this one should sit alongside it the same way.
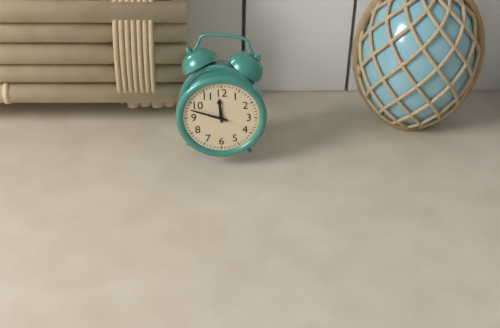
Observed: 11:48
